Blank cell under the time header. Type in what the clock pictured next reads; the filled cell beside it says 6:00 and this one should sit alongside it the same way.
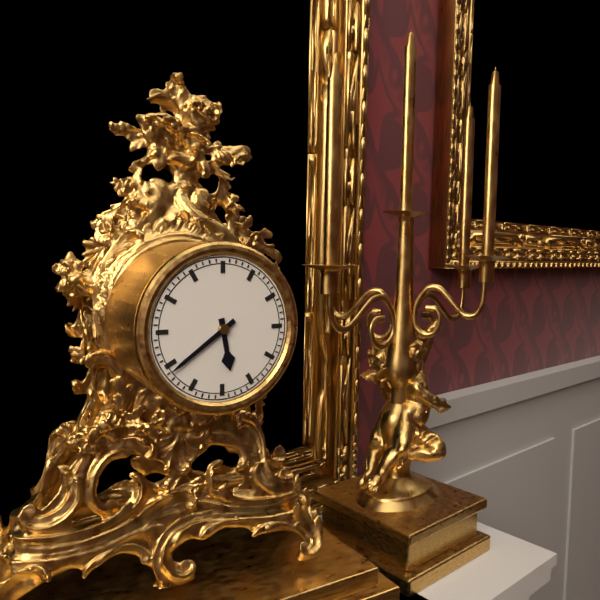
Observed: 5:39
